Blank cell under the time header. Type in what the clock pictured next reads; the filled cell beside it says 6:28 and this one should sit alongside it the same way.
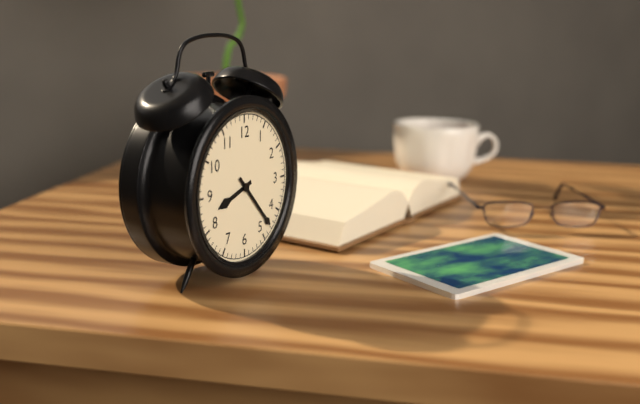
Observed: 8:23
